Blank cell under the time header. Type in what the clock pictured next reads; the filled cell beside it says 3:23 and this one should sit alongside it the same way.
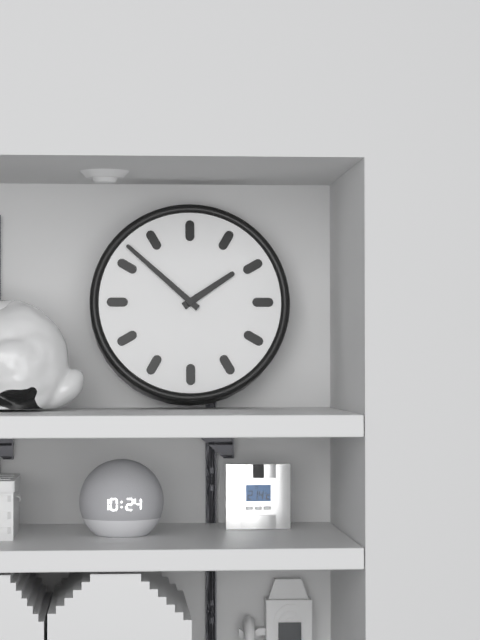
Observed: 1:52
